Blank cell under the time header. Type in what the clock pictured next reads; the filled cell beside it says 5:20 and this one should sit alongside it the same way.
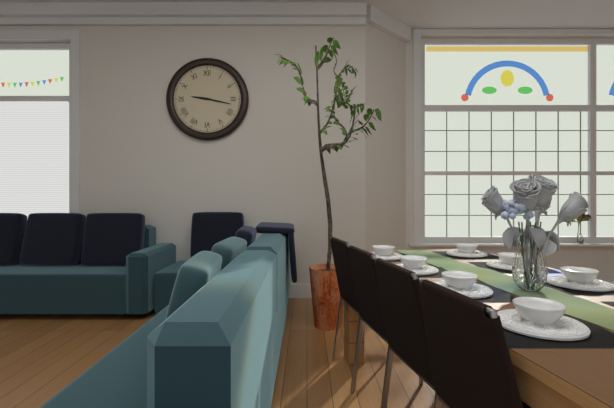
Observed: 9:17
